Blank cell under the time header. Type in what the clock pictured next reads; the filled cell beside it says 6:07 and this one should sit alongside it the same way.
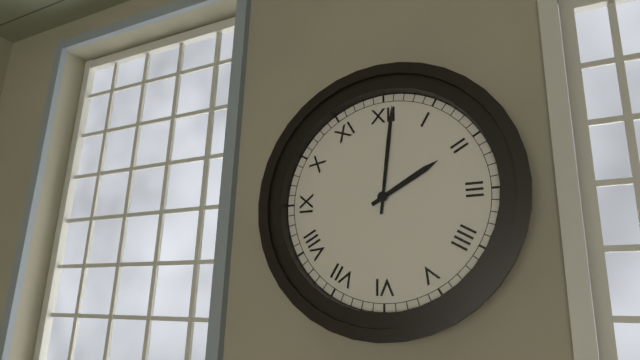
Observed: 2:01
